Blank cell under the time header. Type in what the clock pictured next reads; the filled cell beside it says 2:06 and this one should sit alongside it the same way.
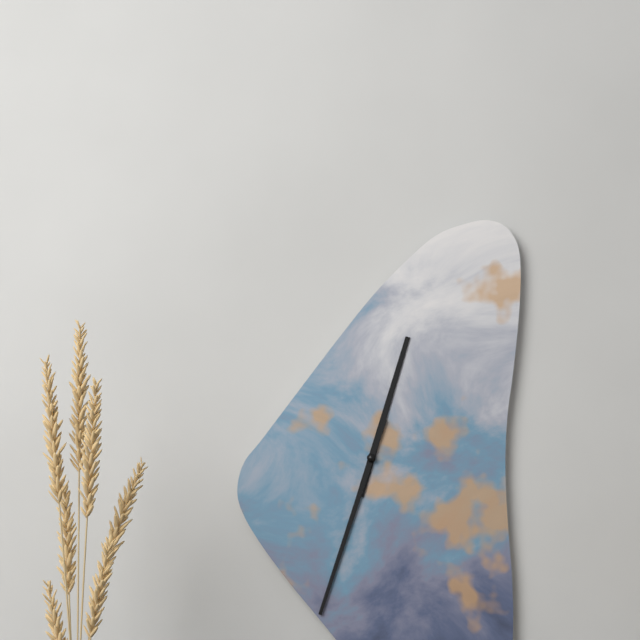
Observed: 12:33
